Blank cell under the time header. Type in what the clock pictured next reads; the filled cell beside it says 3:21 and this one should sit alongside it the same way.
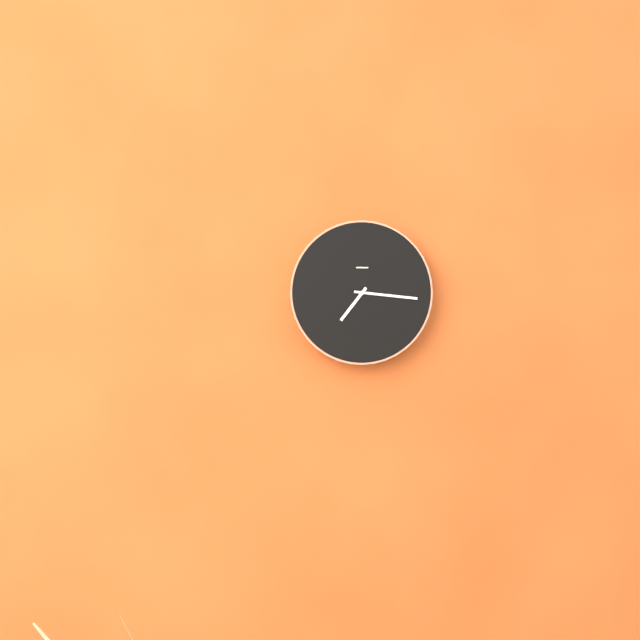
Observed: 7:16
